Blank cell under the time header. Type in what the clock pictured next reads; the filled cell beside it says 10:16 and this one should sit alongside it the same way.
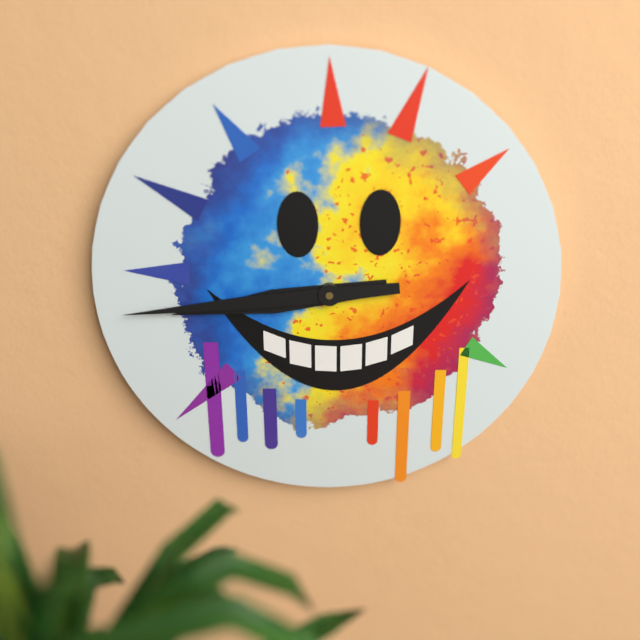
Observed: 8:44
